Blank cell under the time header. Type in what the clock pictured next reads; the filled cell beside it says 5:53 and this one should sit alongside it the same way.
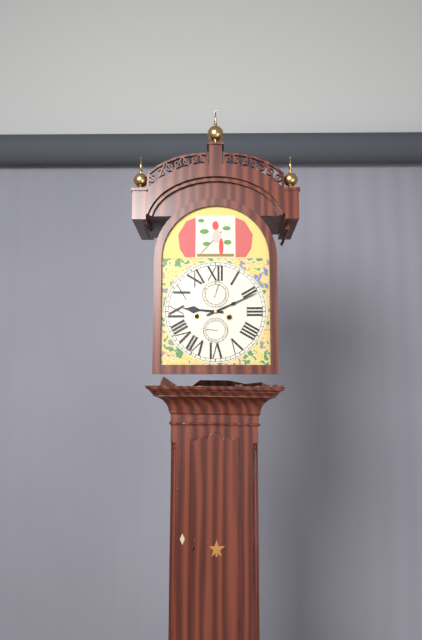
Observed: 9:11
